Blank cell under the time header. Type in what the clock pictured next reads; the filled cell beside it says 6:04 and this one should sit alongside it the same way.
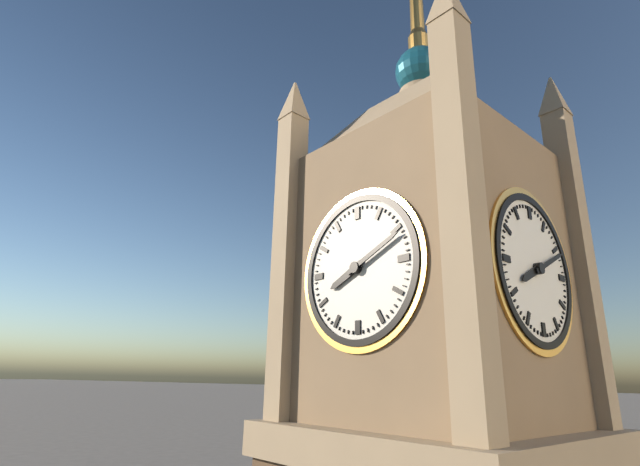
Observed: 8:11
